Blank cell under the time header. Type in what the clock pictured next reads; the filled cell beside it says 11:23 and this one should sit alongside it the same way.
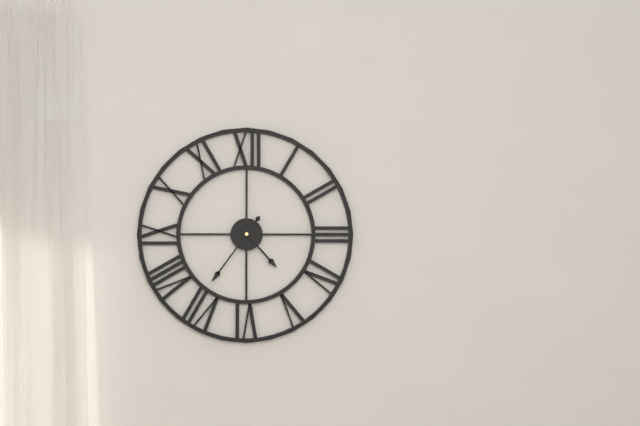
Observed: 4:36
